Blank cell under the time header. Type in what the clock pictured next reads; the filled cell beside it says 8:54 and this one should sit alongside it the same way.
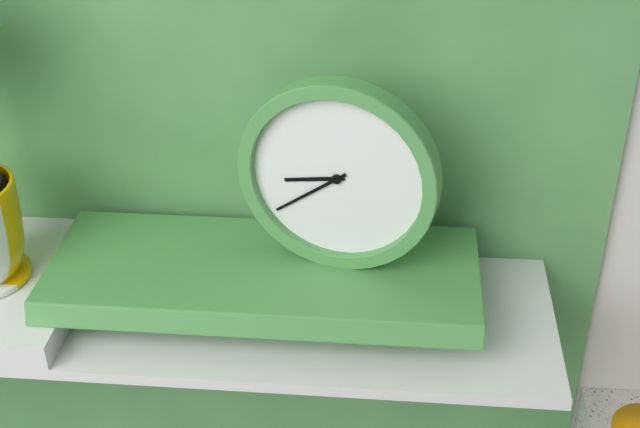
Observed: 8:39
